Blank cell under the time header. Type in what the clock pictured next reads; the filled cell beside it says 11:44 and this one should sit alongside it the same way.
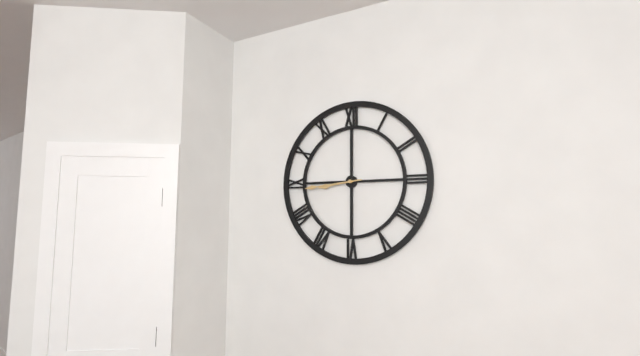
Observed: 8:44
